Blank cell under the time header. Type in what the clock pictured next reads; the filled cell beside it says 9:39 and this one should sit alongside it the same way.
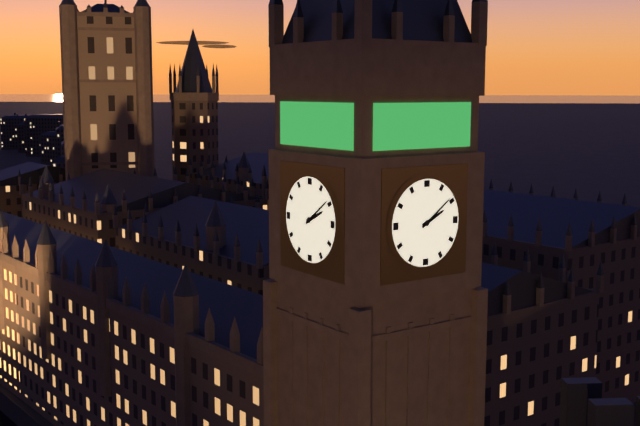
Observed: 2:09
